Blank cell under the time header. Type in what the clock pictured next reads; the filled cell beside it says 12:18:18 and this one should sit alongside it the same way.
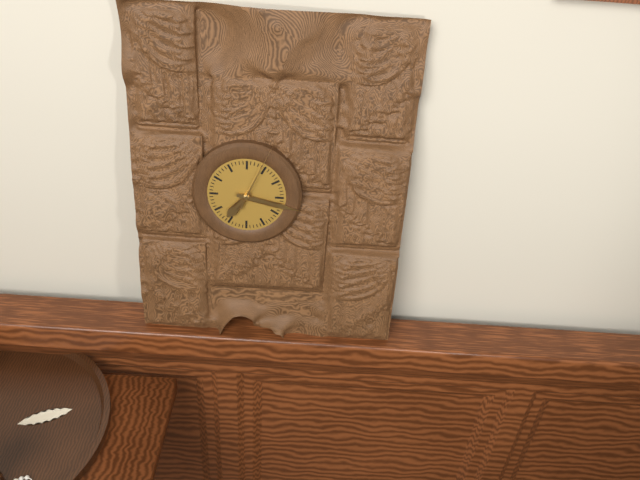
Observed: 7:17:04
